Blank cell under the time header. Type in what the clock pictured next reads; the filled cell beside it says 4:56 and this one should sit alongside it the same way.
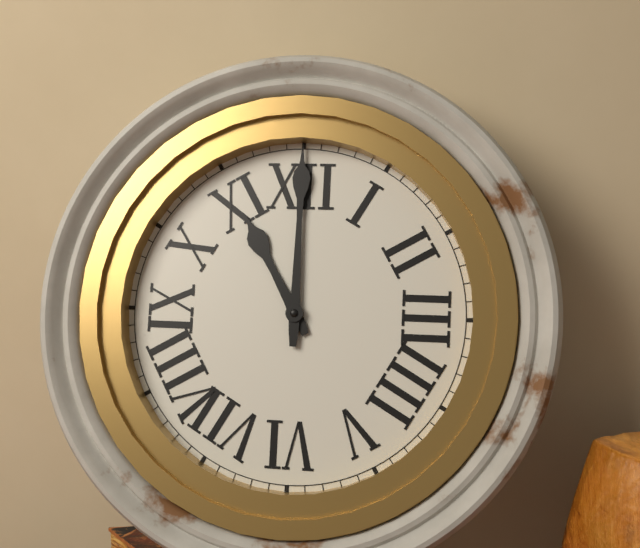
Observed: 11:00
